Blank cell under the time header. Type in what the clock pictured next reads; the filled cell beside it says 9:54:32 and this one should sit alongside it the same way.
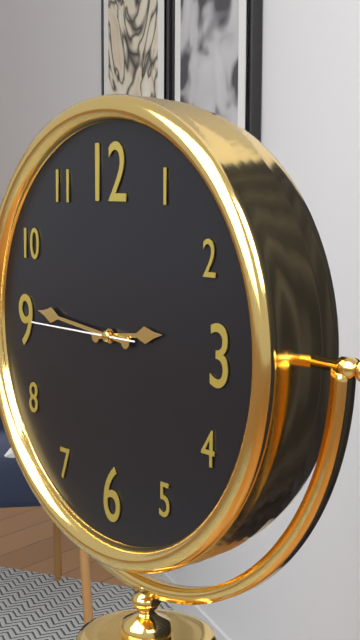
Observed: 2:46:45
